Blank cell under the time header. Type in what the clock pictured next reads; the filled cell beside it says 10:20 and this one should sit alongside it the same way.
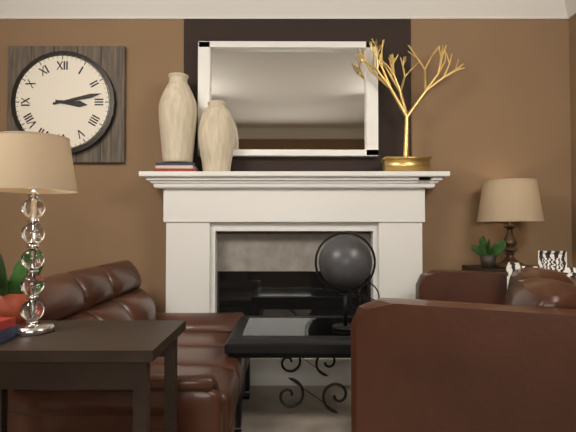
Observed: 3:13
